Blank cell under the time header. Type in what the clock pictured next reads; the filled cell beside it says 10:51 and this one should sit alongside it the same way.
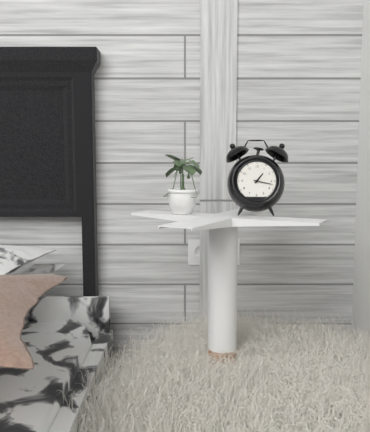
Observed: 1:17
